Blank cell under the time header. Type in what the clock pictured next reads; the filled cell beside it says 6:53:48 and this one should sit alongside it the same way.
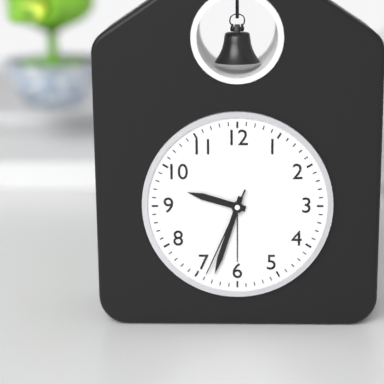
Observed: 9:33:34
